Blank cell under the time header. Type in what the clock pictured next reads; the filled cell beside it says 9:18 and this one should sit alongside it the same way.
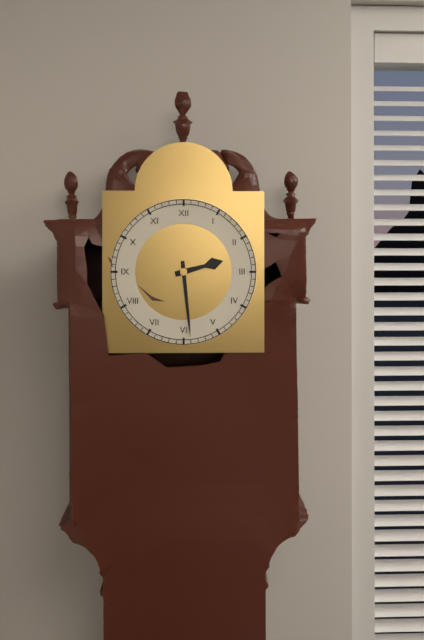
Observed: 2:29
